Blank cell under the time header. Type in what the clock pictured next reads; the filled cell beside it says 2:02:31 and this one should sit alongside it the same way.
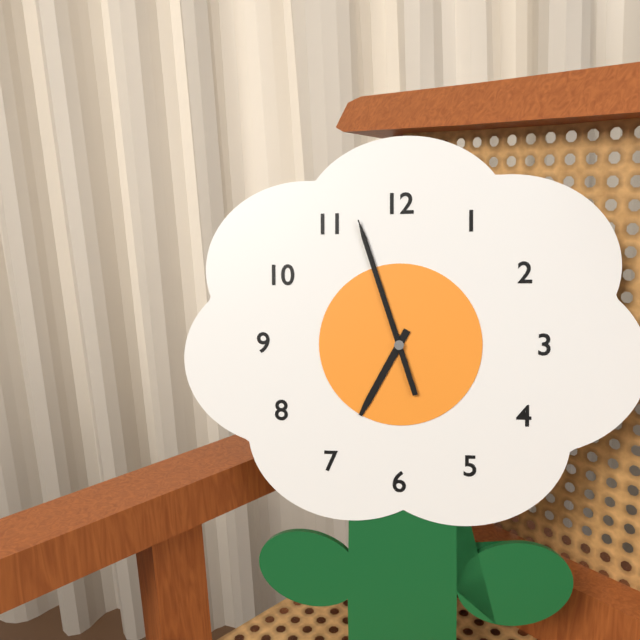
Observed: 6:57:57
